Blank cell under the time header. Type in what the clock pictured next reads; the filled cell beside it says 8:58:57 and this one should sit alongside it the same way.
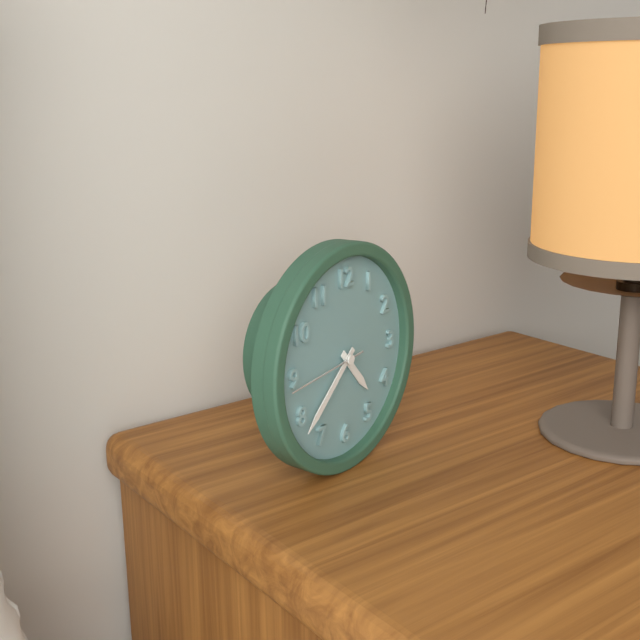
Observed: 4:38:44
